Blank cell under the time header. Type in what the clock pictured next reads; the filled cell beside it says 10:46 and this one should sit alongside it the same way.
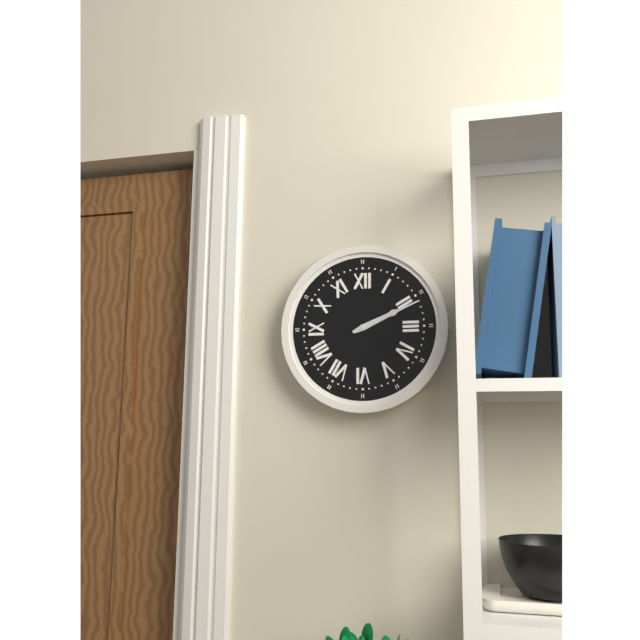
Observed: 2:11
